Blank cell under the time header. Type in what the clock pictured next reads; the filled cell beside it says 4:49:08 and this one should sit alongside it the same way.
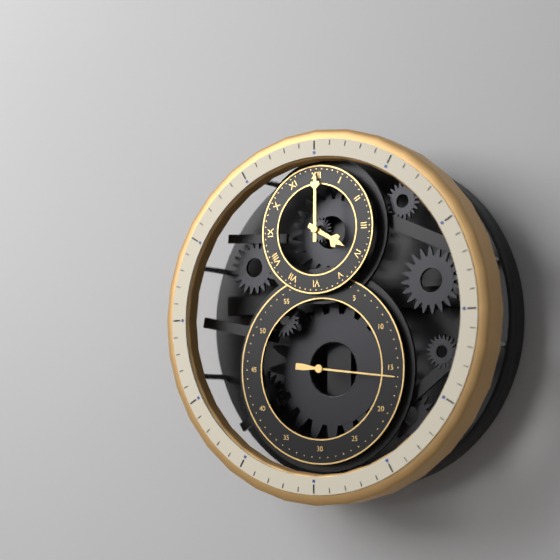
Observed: 4:00:16
